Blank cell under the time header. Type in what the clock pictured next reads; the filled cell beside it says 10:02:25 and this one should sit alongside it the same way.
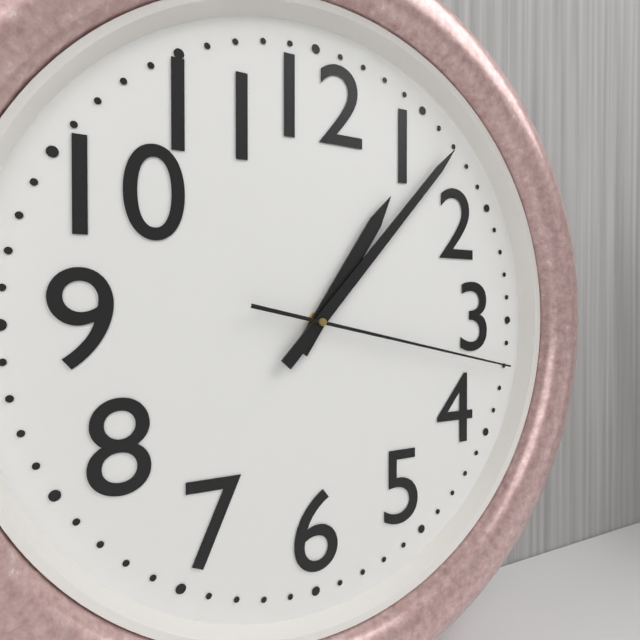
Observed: 1:07:17
